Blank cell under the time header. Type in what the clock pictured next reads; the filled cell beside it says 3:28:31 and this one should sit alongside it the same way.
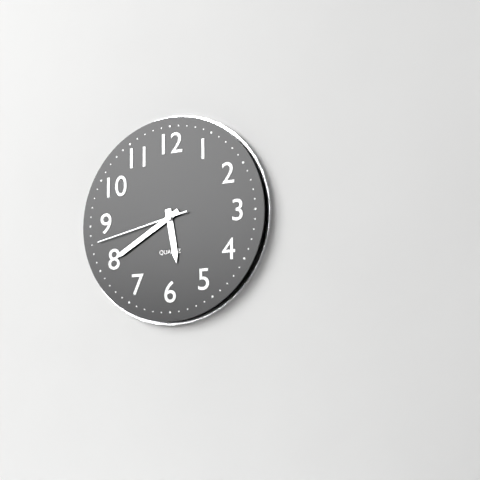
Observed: 5:40:43
